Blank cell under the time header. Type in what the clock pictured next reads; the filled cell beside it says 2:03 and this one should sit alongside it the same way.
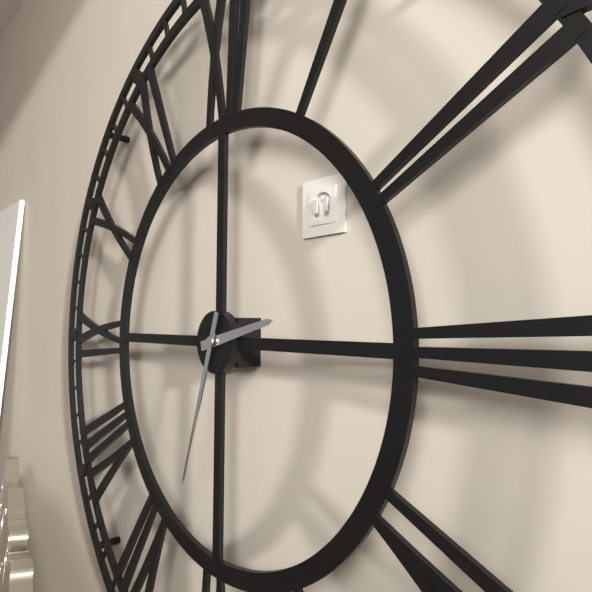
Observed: 2:33
